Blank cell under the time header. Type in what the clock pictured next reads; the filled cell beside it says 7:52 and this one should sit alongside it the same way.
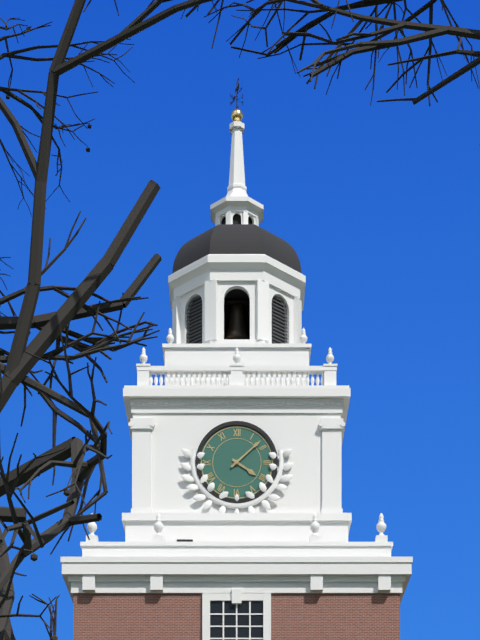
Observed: 4:08
